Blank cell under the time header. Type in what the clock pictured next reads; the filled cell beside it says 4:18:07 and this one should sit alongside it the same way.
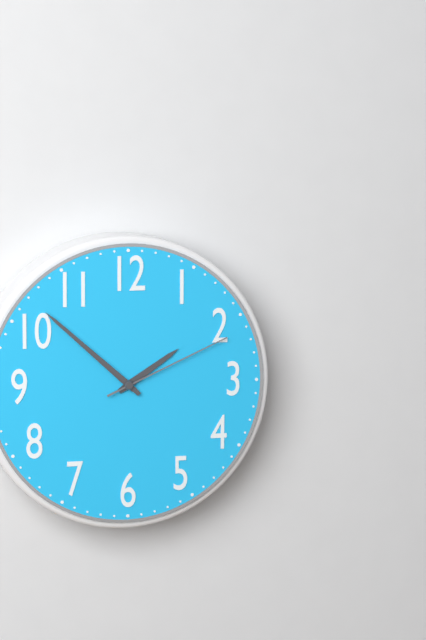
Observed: 1:52:11
